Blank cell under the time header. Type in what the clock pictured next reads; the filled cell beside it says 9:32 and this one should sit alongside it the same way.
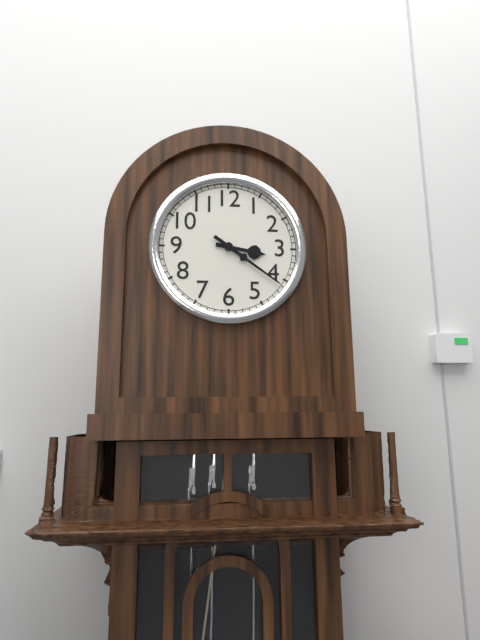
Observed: 3:21
